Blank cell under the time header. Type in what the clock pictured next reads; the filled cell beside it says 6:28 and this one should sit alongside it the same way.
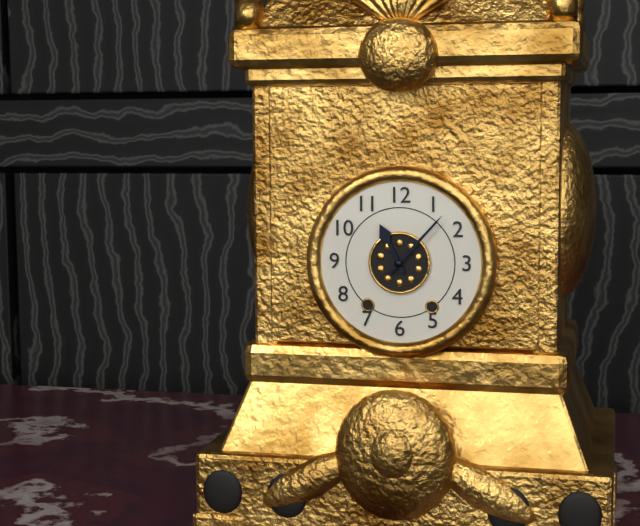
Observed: 11:07
